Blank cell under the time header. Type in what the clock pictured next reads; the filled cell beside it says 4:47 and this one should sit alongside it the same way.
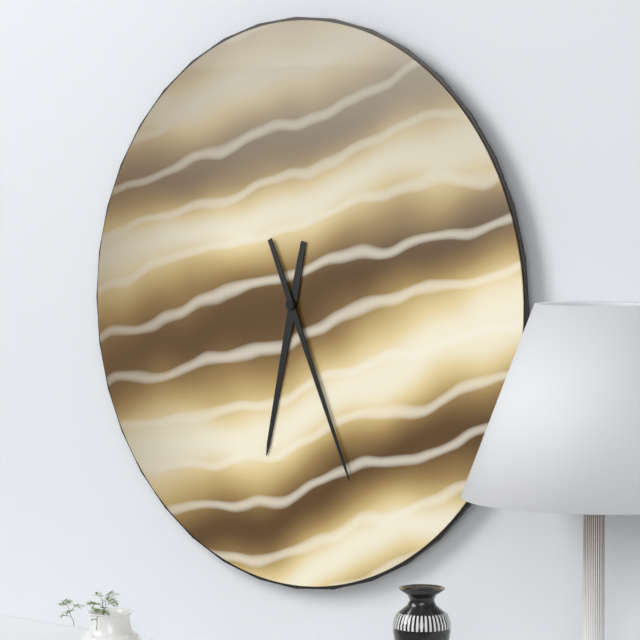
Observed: 6:26
